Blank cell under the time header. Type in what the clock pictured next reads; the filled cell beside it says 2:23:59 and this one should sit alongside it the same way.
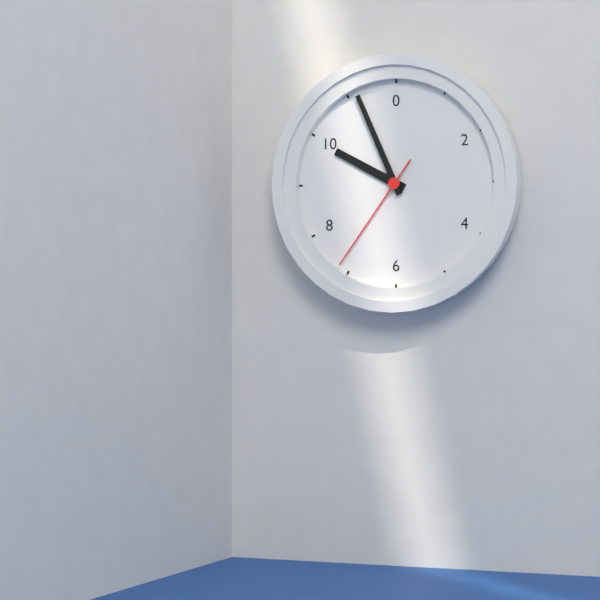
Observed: 9:56:36
